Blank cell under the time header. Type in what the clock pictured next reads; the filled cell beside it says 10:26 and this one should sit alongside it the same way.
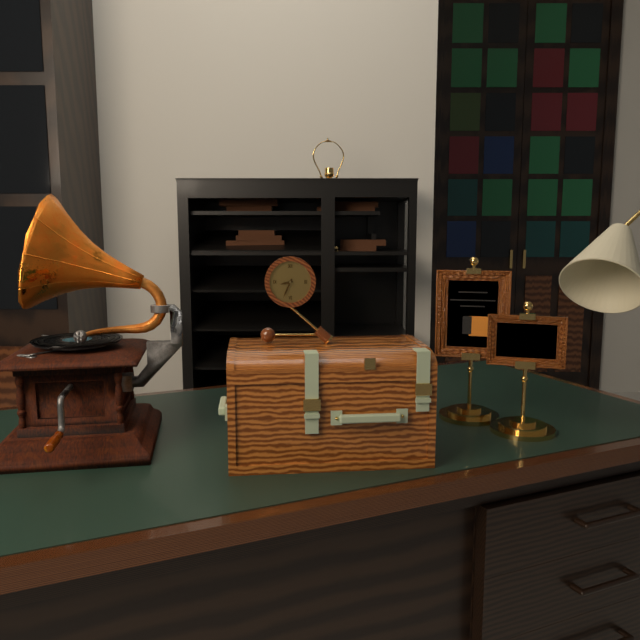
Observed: 8:34
